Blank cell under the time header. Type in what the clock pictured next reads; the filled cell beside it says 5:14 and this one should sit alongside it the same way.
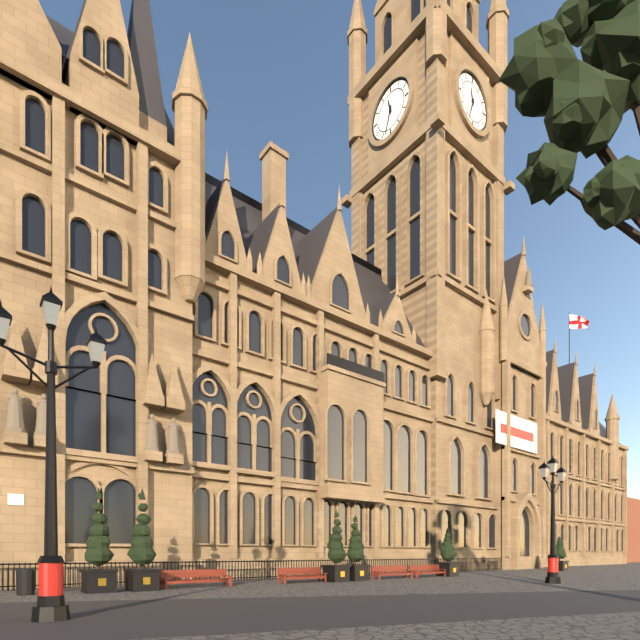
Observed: 11:33
